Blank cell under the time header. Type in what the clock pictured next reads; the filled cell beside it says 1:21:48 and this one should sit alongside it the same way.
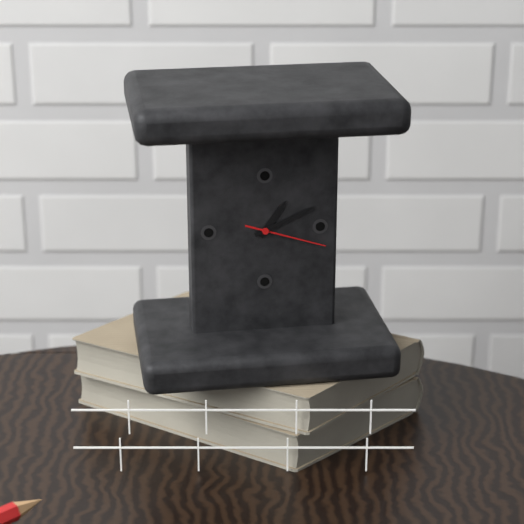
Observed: 1:11:18
